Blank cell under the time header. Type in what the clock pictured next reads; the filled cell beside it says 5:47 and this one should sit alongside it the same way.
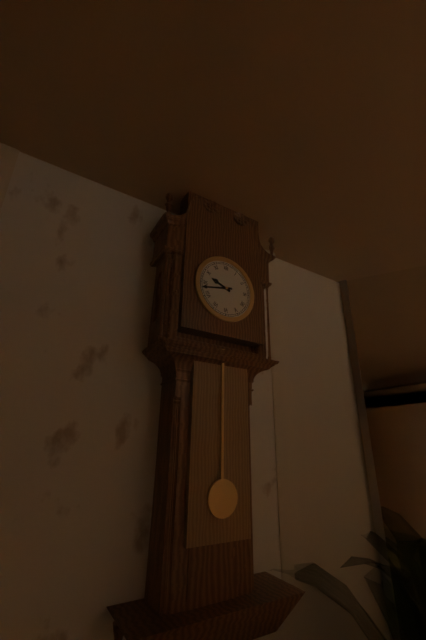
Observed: 9:43
